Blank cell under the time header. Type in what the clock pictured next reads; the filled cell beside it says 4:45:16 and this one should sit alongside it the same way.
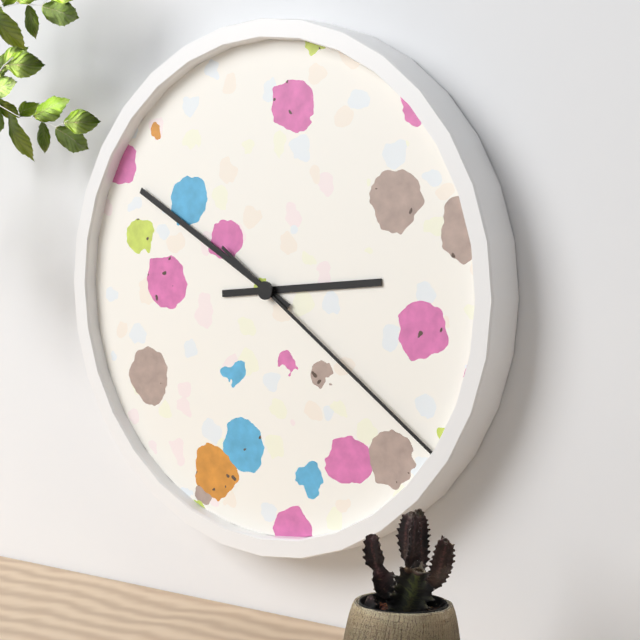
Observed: 2:50:21
